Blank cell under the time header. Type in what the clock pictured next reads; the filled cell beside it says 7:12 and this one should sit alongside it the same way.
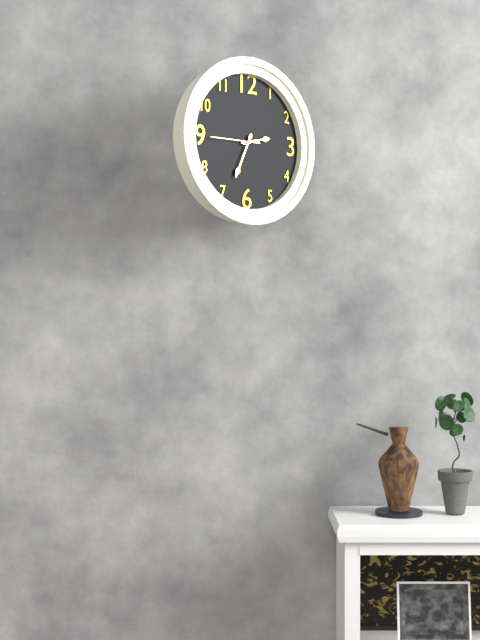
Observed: 2:34
